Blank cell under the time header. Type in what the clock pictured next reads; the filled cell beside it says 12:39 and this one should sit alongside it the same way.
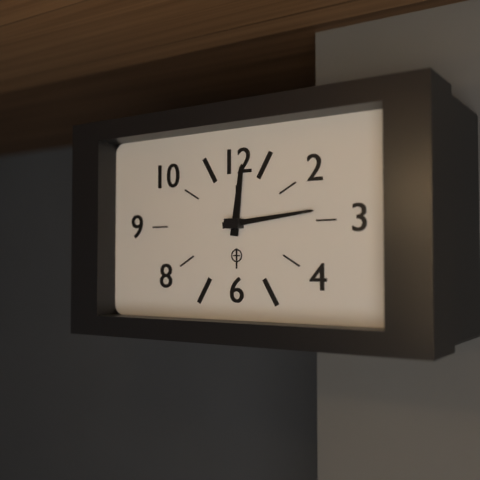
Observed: 12:14
